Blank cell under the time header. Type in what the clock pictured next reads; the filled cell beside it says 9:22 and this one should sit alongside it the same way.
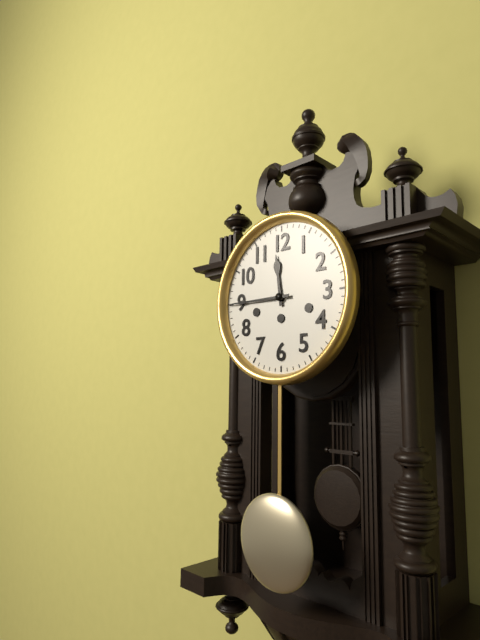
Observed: 11:45
